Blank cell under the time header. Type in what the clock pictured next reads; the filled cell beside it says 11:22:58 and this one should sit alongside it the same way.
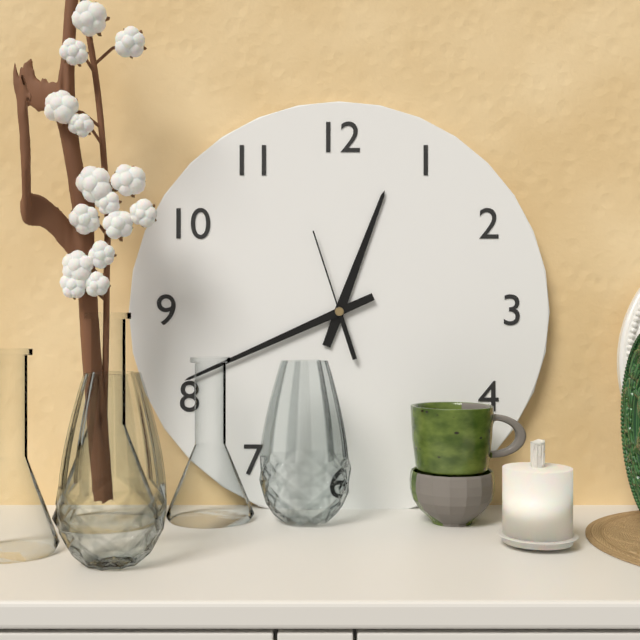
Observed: 12:41:57
